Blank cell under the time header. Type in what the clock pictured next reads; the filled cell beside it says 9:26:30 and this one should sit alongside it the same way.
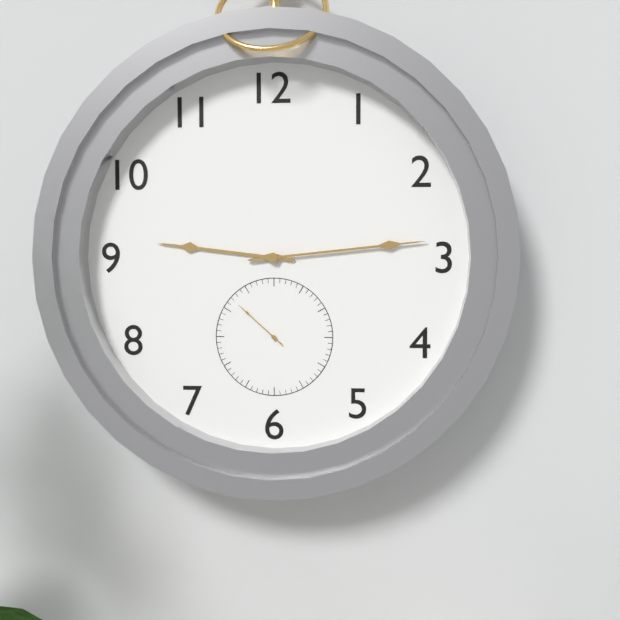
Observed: 9:14:52
